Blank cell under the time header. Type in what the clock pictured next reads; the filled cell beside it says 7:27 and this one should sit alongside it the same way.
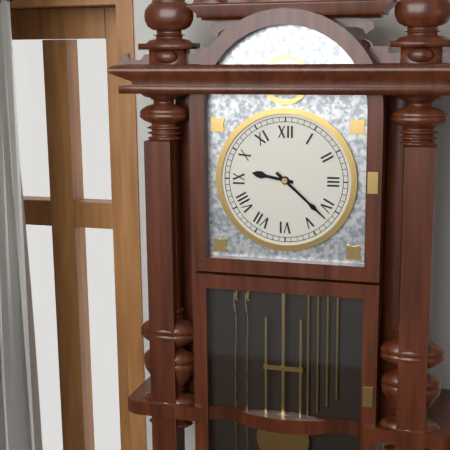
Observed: 9:22
